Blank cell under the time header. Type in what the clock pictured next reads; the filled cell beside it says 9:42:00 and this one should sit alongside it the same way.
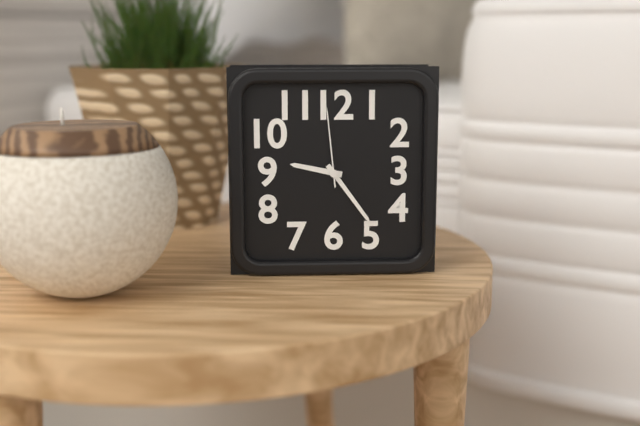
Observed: 9:24:59
